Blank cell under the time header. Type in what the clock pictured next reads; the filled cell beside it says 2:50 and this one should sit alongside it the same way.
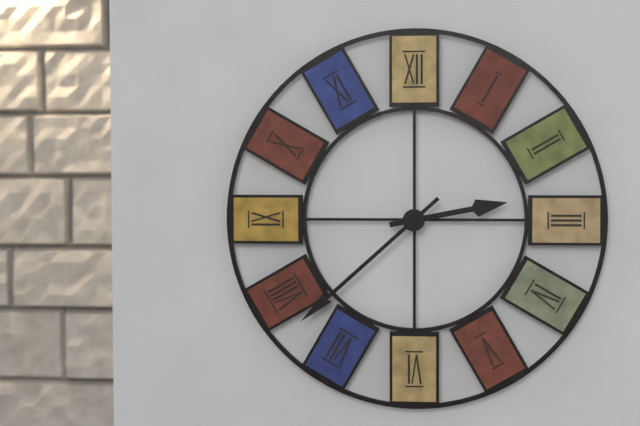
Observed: 2:38
